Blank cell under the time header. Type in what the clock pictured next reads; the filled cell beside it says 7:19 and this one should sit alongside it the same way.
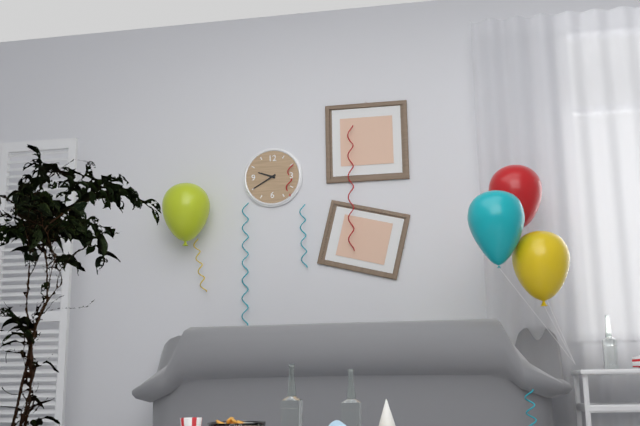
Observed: 9:40
